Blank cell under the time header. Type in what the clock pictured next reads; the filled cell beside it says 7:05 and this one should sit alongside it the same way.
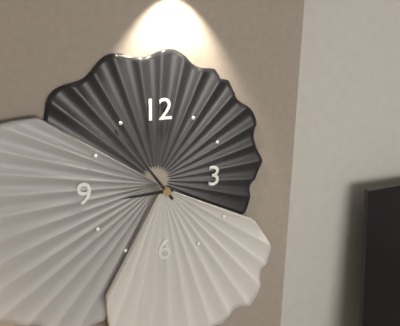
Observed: 8:54
